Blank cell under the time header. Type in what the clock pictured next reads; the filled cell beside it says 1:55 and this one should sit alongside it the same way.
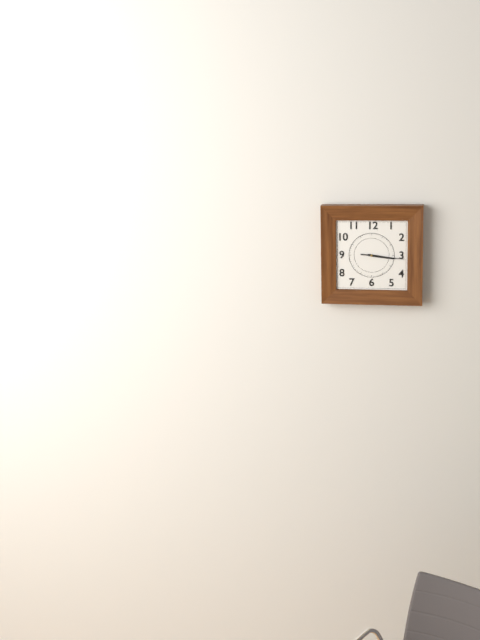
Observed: 3:16
